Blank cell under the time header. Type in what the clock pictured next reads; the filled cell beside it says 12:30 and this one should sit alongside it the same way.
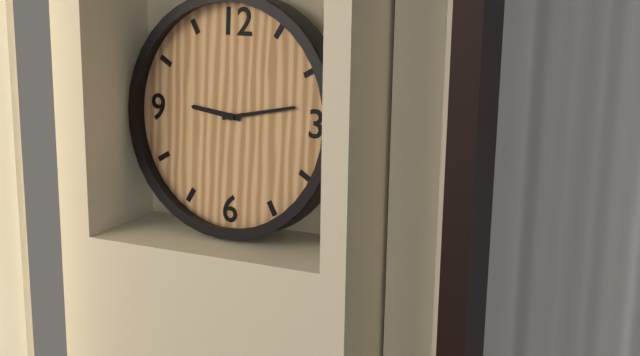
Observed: 9:13
